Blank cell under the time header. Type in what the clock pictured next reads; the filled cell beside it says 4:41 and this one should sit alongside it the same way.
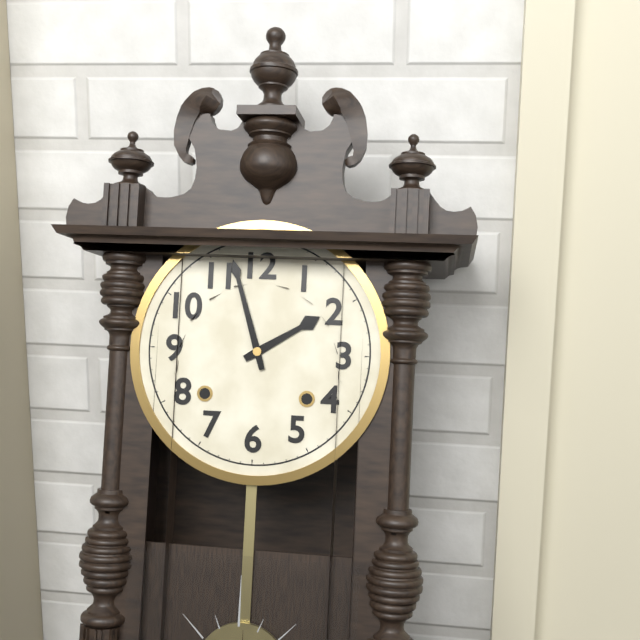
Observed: 1:57
